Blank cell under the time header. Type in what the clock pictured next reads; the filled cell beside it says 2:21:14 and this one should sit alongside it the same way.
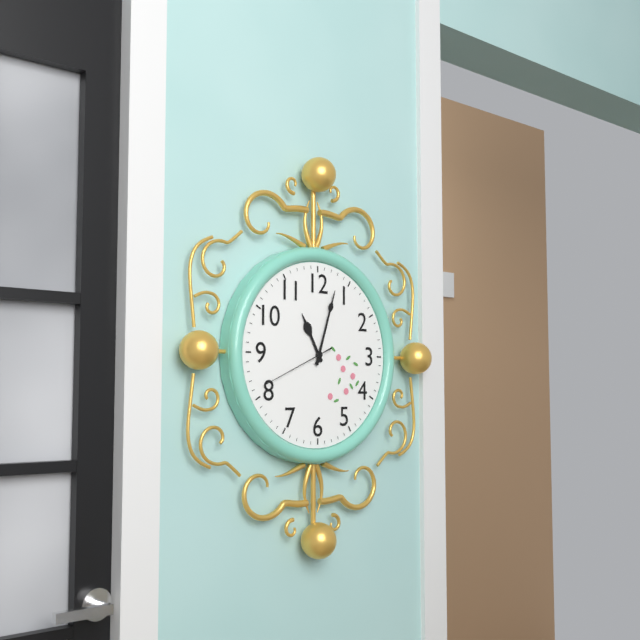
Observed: 11:03:41
